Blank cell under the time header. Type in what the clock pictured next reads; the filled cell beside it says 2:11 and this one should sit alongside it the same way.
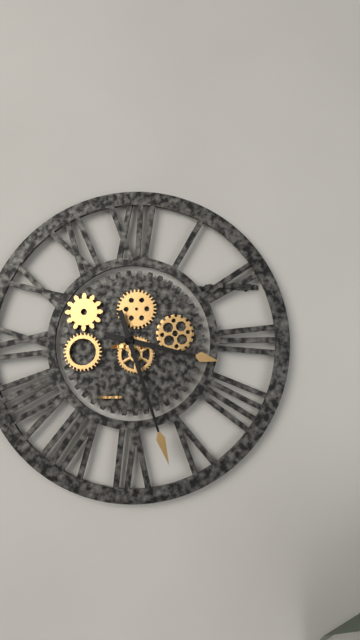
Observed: 3:27
